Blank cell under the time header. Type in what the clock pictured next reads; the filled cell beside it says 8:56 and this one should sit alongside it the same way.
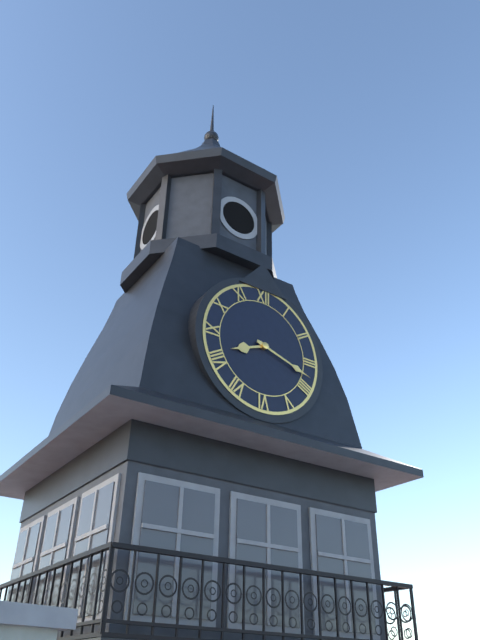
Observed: 8:18
